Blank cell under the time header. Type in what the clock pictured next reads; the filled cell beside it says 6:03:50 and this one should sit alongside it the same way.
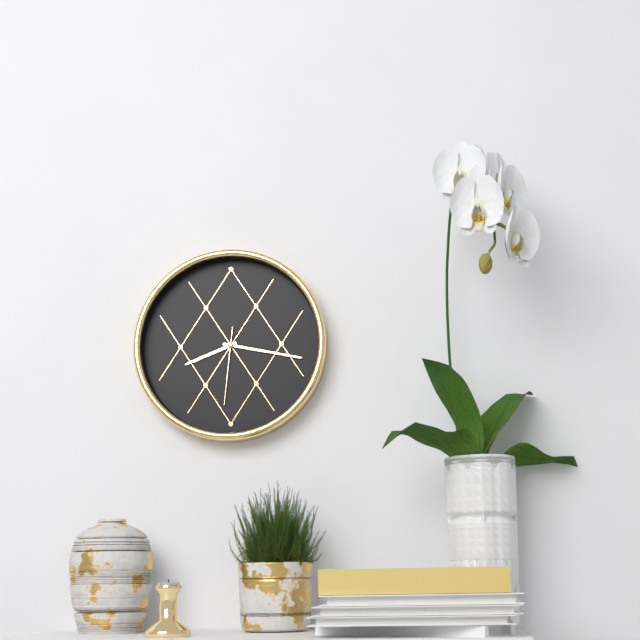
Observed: 8:17:31
